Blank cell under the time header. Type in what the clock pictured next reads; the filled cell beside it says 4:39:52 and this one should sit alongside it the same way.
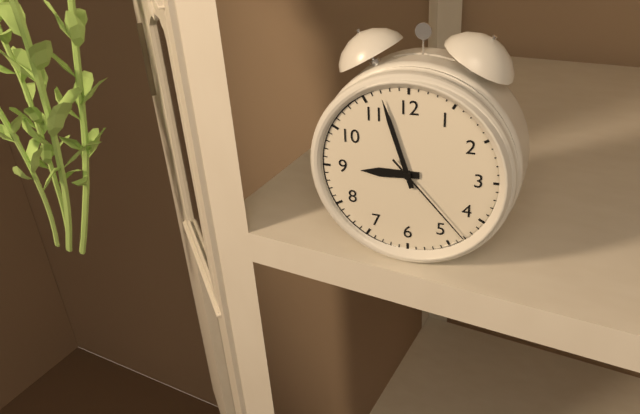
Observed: 8:57:23
